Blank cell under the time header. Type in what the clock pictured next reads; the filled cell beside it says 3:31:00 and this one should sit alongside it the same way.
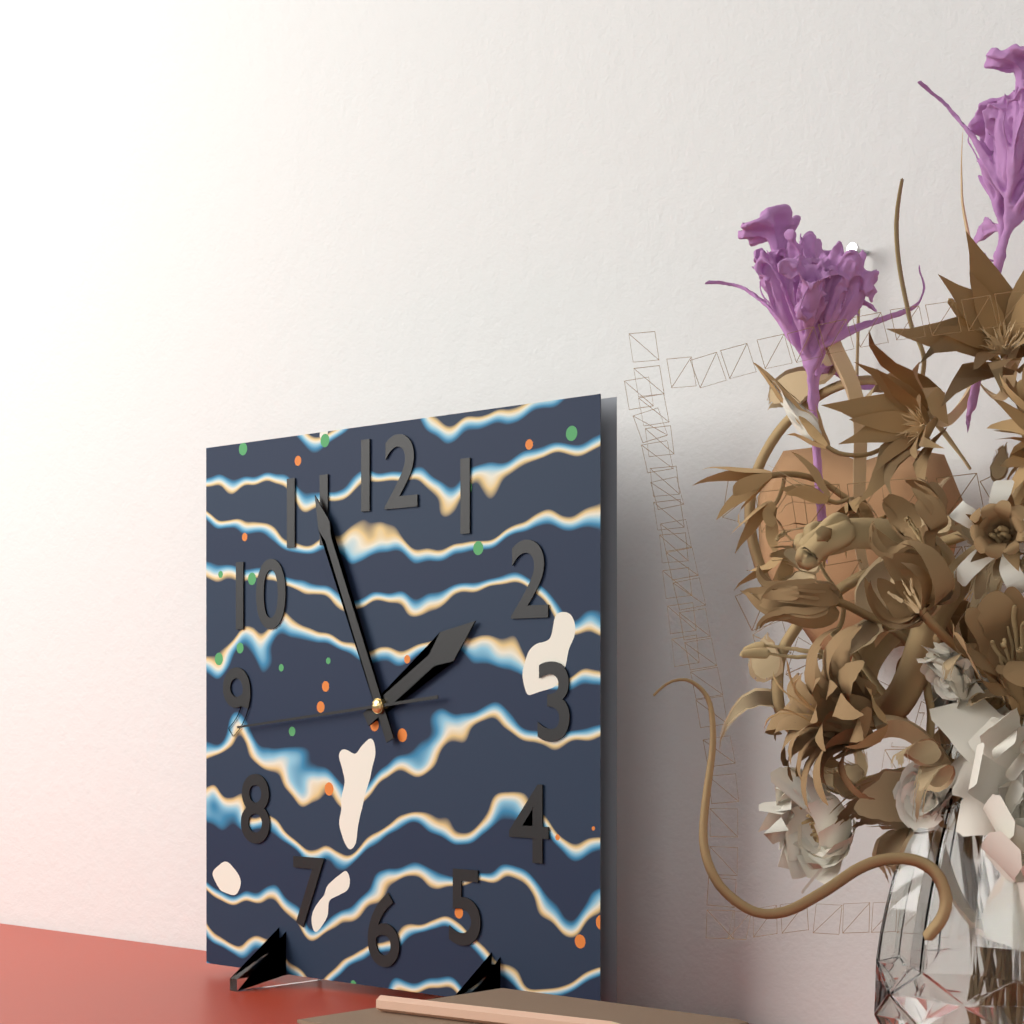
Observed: 1:56:44
